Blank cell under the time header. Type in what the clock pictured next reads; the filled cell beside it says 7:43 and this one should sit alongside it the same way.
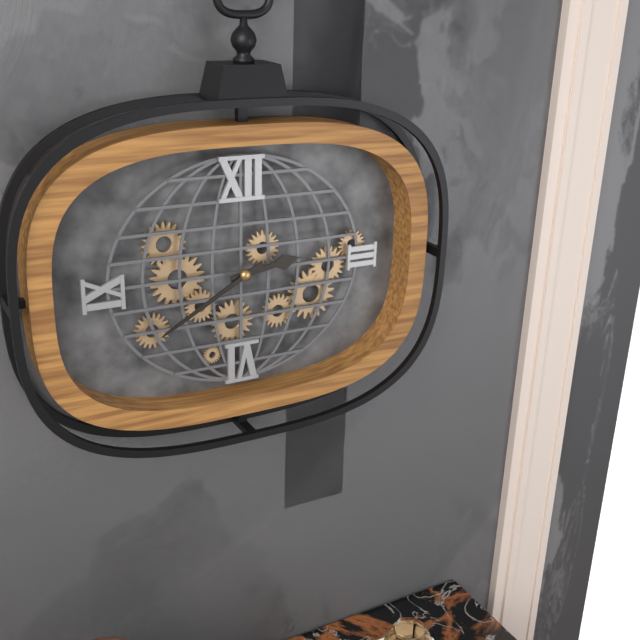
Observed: 2:40
